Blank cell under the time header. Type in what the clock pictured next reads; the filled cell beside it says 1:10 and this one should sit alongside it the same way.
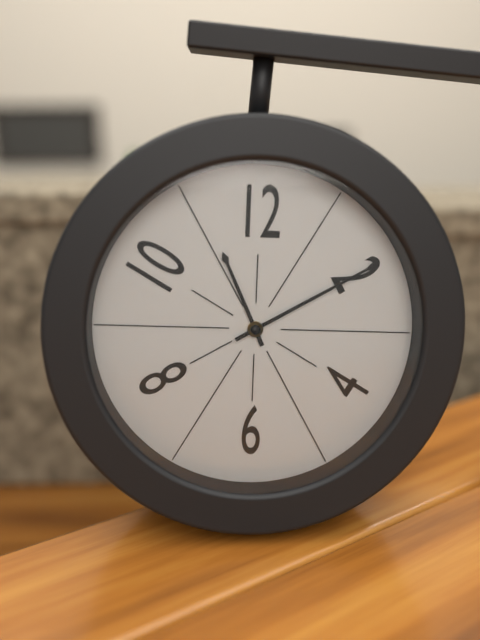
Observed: 11:10
